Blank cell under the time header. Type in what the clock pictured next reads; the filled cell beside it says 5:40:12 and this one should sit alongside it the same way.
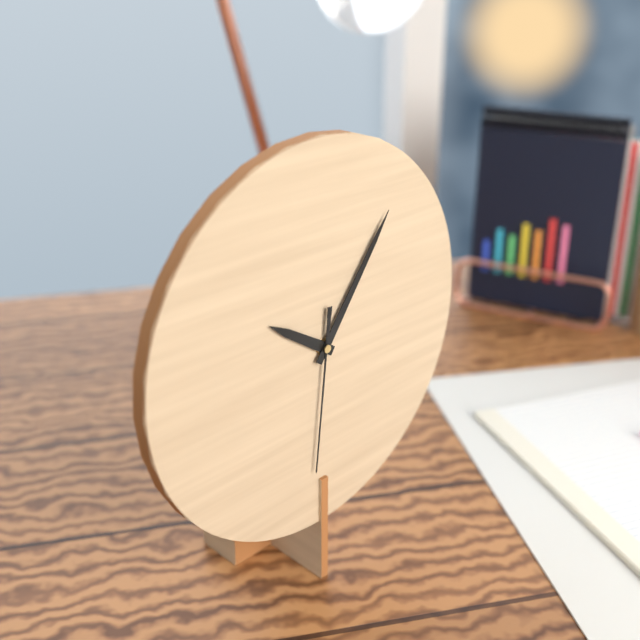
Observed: 10:06:31
